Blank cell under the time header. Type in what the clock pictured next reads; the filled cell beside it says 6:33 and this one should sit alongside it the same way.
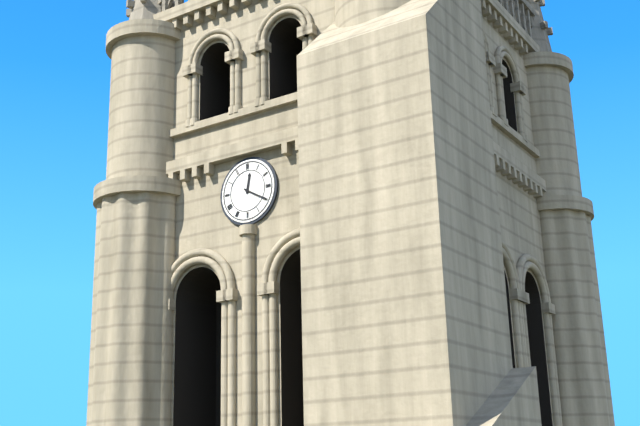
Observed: 12:20
